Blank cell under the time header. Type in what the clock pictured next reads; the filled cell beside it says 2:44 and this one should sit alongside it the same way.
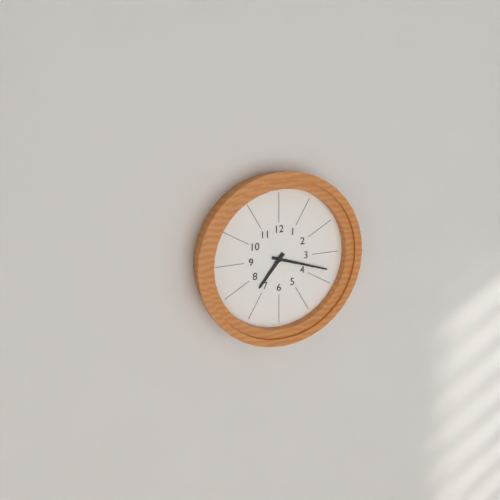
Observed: 7:18
